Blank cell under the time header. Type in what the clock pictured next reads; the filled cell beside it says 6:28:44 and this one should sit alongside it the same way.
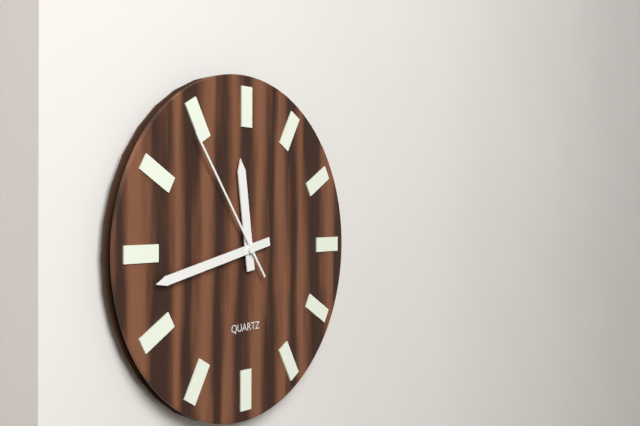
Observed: 11:43:54
